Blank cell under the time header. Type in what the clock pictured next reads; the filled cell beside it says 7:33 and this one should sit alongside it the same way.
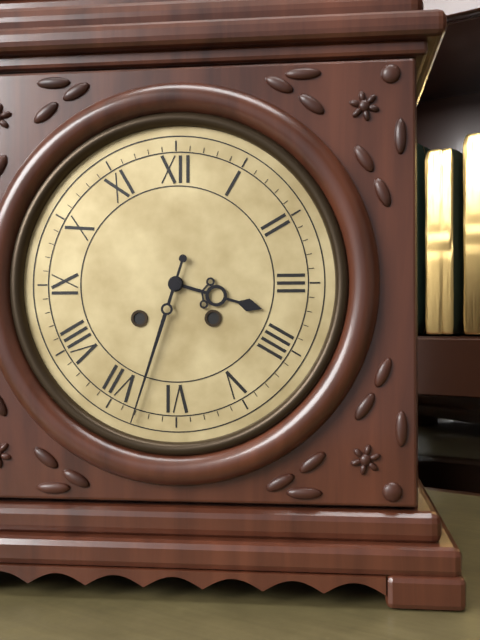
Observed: 3:33
